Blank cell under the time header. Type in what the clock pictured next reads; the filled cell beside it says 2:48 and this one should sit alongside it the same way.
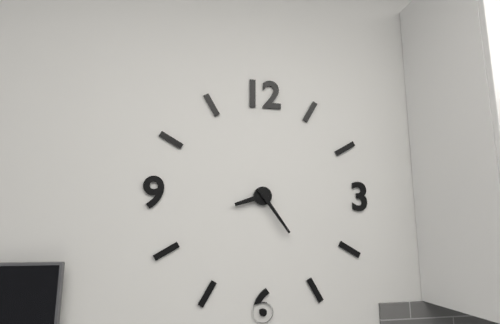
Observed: 8:24
